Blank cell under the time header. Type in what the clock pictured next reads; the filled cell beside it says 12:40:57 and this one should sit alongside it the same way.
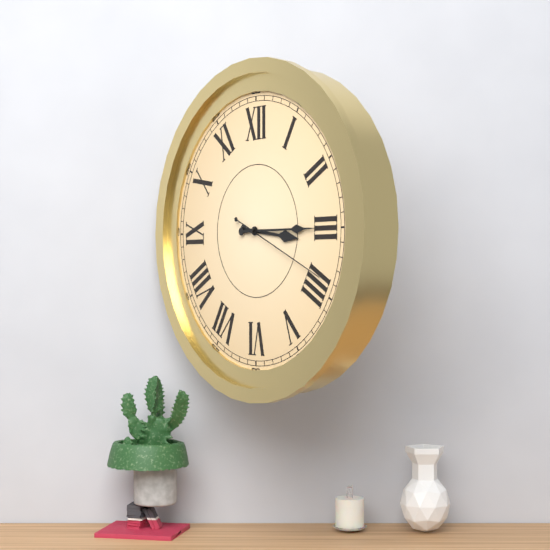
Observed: 3:15:19
